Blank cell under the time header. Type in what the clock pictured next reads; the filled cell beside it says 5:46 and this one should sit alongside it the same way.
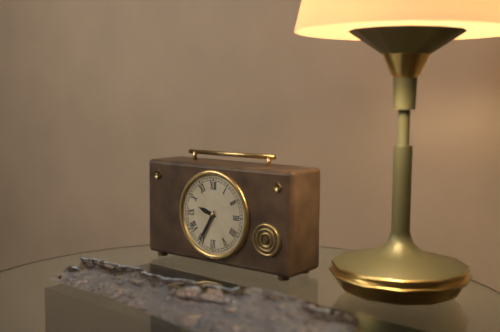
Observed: 9:35
